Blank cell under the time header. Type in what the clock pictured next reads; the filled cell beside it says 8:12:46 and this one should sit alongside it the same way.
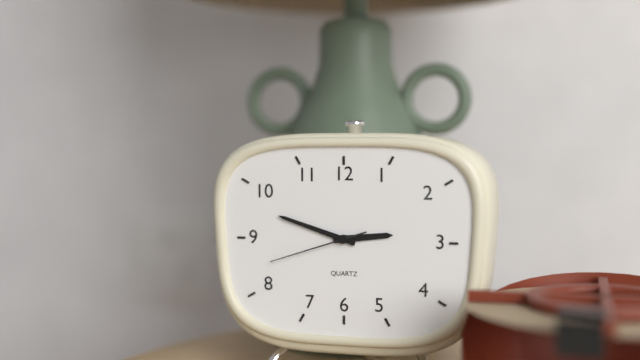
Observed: 2:48:42
